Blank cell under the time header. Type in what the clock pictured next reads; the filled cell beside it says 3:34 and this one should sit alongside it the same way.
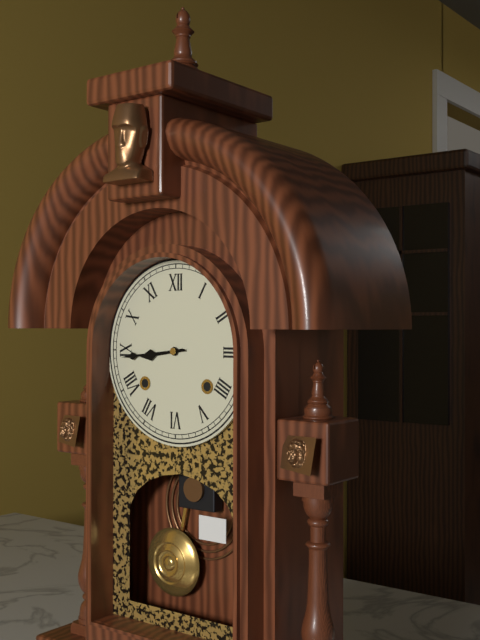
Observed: 8:44
